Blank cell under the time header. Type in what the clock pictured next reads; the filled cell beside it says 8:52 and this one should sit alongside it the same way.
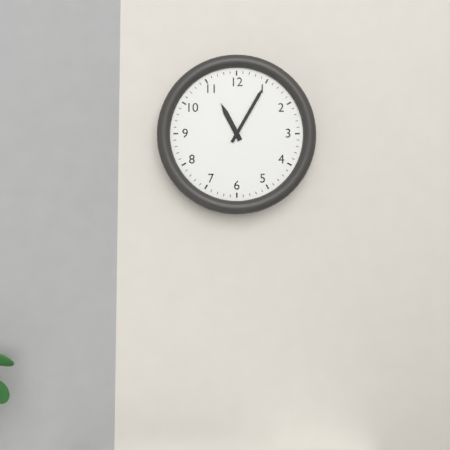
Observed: 11:05
